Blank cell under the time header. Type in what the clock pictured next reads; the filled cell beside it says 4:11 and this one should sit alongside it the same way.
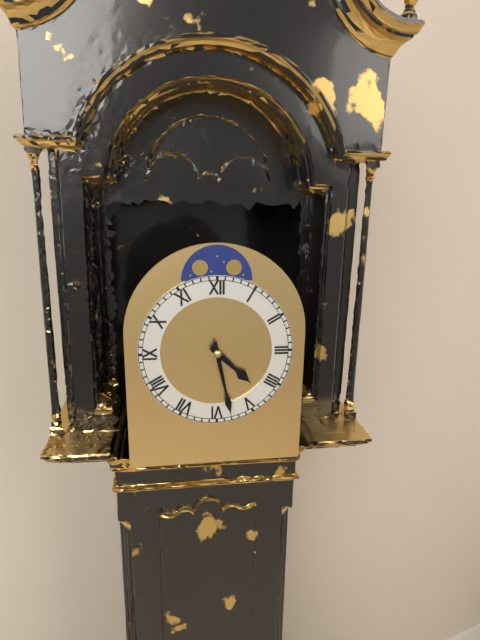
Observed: 4:28
